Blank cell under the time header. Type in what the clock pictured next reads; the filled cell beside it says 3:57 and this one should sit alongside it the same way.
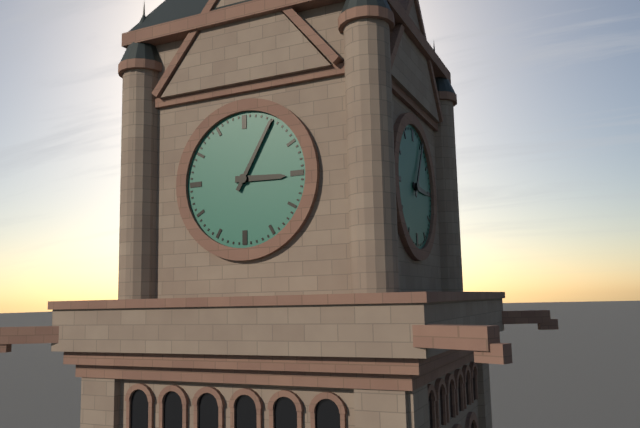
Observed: 3:05
